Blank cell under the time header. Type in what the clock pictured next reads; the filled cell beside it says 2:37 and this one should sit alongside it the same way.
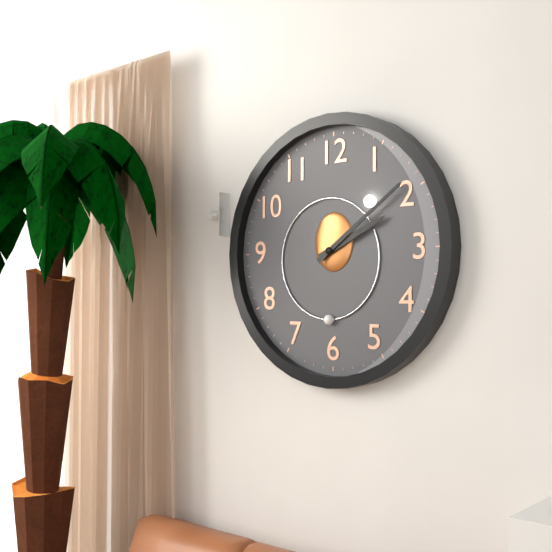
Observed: 2:09
